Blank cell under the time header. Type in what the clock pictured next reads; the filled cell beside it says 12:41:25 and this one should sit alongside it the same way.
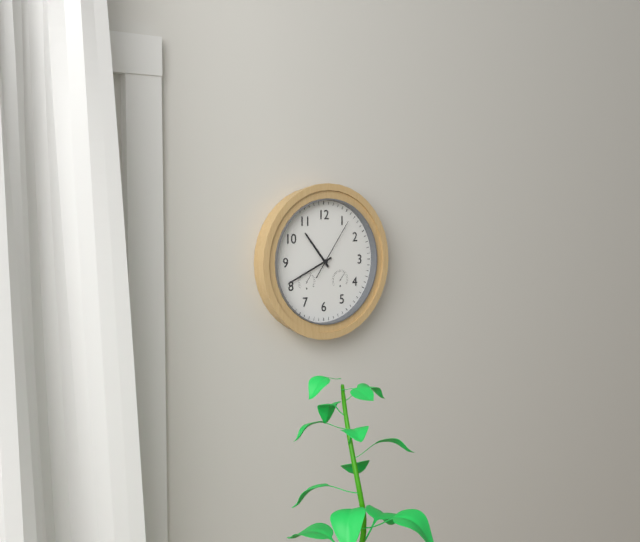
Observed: 10:41:06
